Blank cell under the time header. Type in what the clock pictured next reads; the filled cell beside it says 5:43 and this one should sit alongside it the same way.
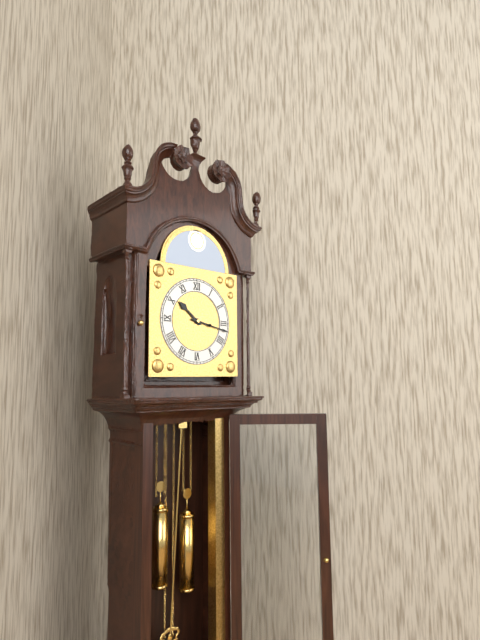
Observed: 10:17
